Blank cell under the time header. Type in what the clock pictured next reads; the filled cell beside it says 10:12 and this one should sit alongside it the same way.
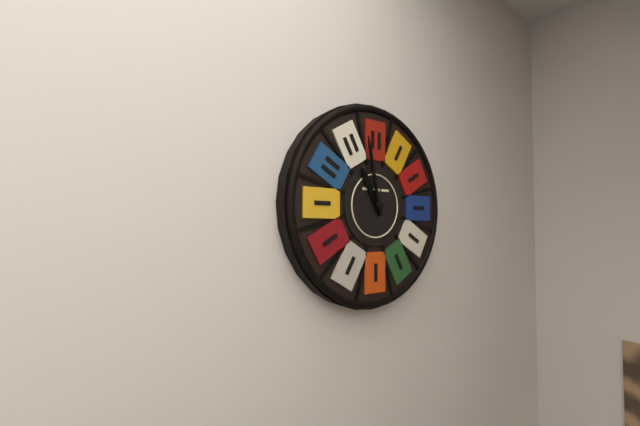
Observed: 10:58
